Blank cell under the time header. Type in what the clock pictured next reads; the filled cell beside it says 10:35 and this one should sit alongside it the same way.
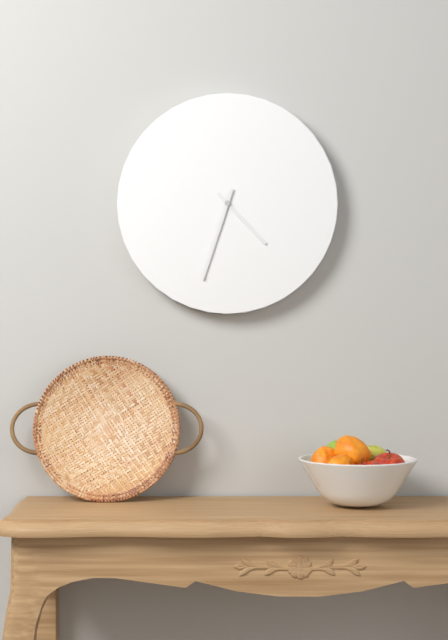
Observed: 4:33
